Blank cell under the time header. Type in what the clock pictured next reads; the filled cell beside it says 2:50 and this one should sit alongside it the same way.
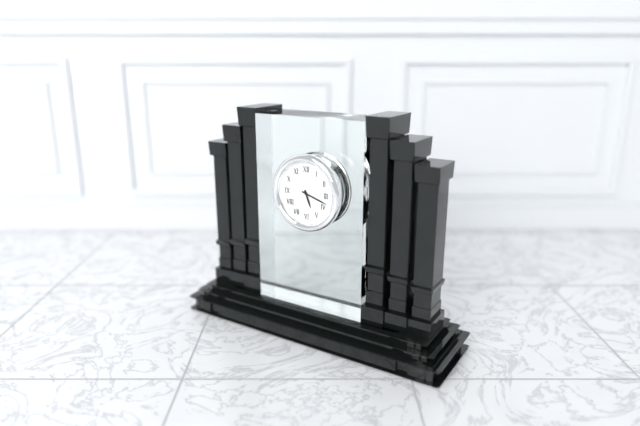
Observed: 5:18
